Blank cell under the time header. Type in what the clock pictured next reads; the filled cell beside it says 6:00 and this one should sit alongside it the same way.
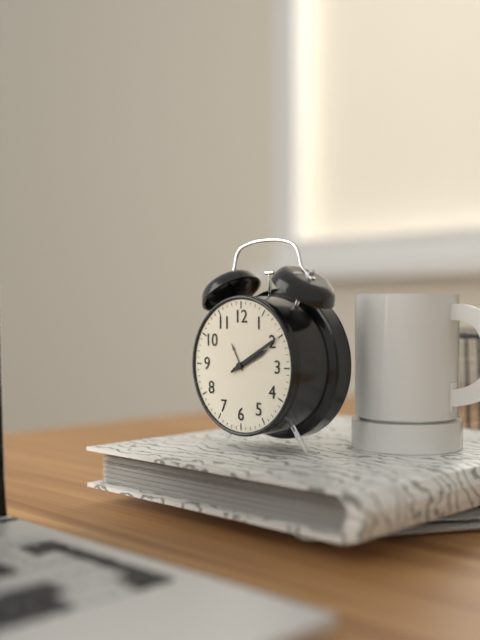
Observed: 2:10
